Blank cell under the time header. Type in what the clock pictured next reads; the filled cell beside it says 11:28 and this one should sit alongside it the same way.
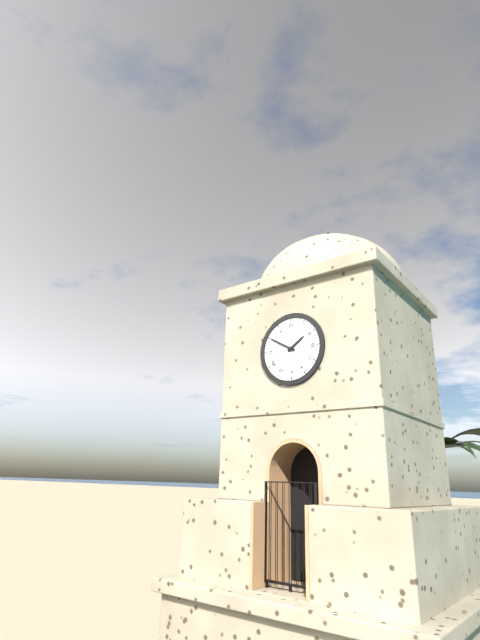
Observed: 1:50
